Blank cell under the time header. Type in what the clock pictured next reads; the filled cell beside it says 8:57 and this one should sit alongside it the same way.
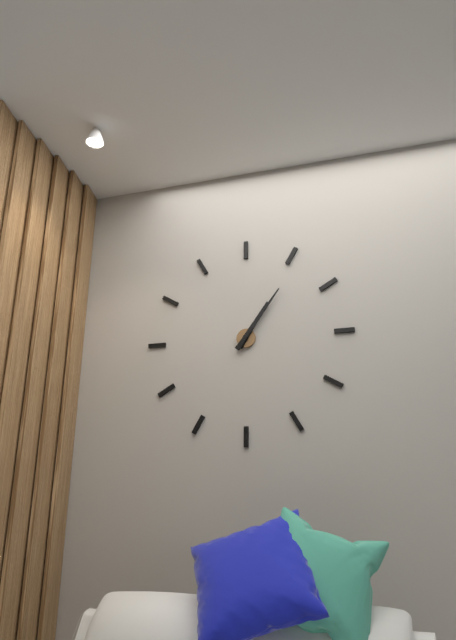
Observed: 1:06
